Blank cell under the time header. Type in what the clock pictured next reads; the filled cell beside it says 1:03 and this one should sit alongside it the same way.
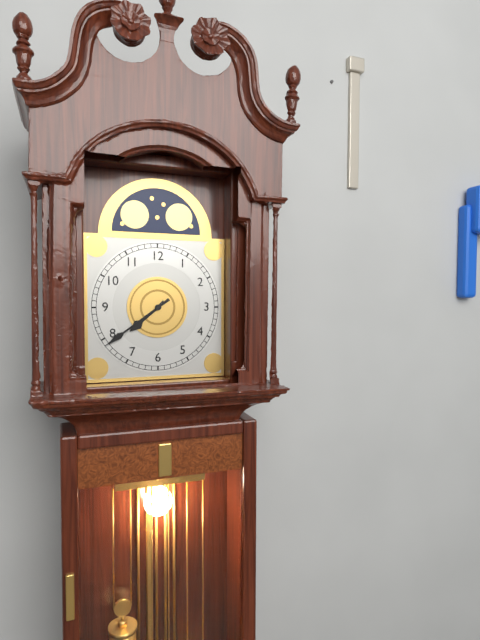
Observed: 7:39
